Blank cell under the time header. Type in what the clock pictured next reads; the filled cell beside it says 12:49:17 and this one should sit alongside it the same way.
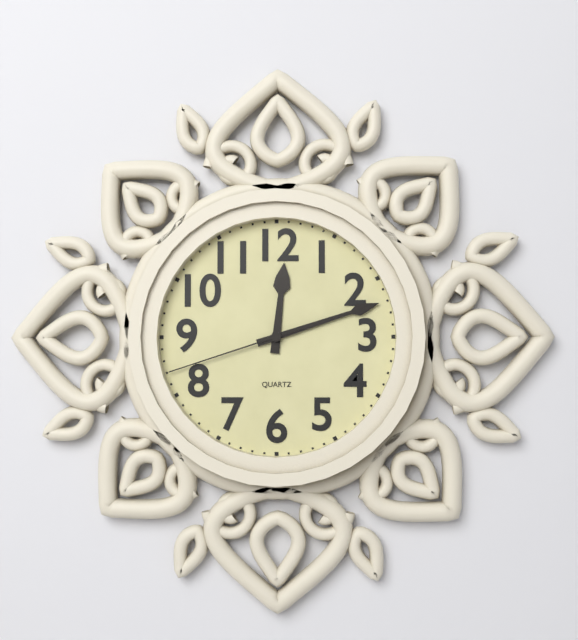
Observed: 12:12:42
